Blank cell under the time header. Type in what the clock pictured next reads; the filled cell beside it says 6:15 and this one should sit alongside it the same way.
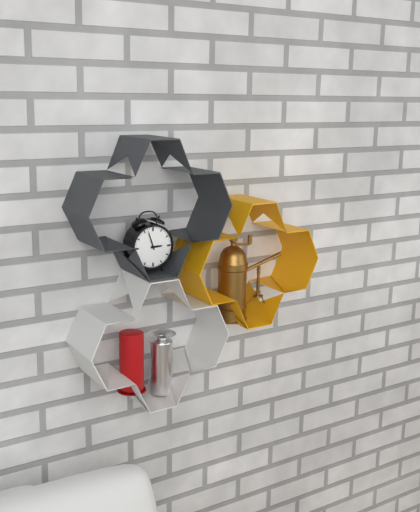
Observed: 2:57
